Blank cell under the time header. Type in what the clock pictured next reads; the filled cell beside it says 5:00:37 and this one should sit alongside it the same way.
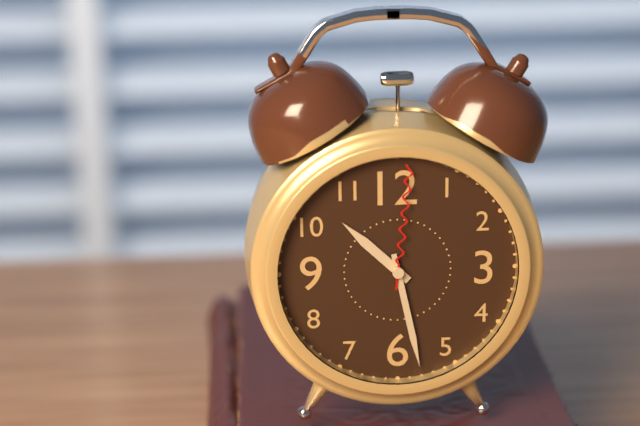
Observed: 10:28:01
